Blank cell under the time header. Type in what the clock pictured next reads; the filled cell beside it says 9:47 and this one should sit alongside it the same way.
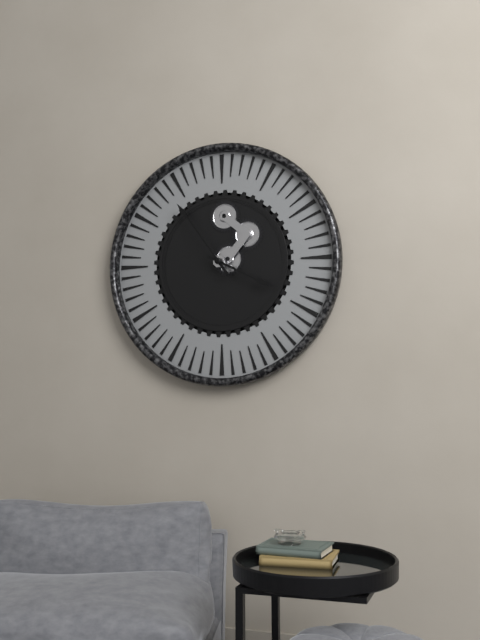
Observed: 3:54
